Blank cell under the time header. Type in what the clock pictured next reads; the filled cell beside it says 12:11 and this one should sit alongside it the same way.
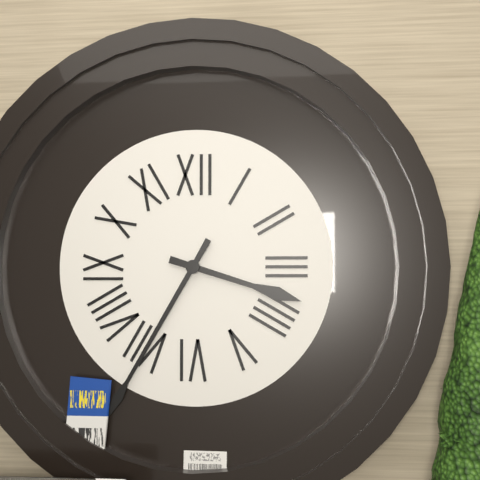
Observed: 3:35
